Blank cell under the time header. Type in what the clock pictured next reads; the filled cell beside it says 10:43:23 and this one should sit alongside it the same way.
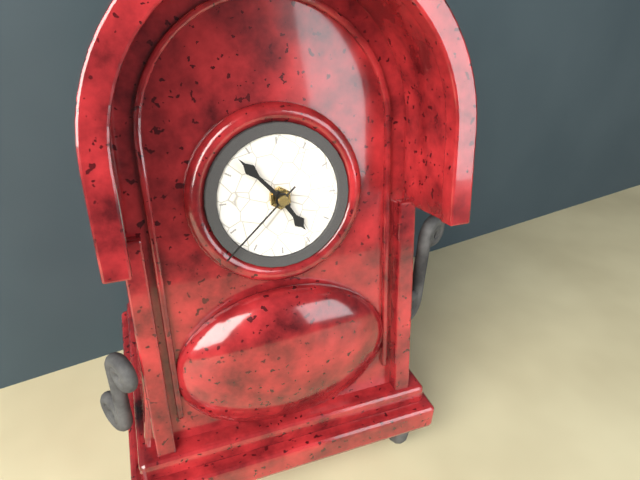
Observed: 4:53:38
